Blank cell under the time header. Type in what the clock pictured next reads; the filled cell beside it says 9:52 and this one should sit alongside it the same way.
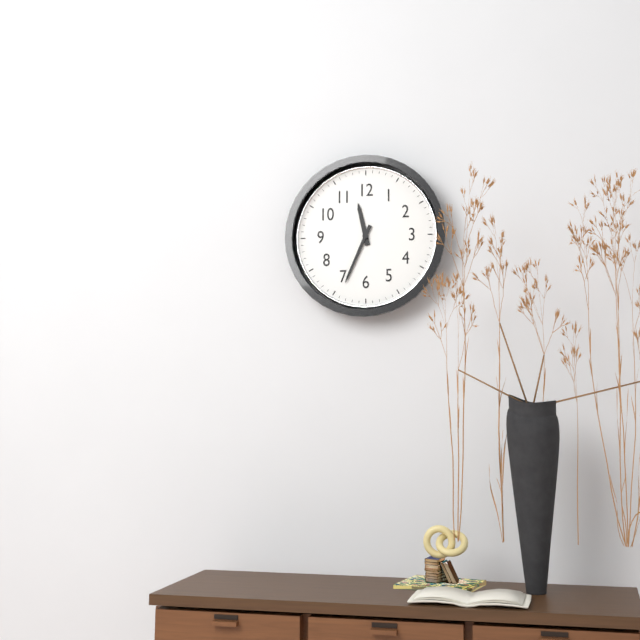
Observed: 11:34
